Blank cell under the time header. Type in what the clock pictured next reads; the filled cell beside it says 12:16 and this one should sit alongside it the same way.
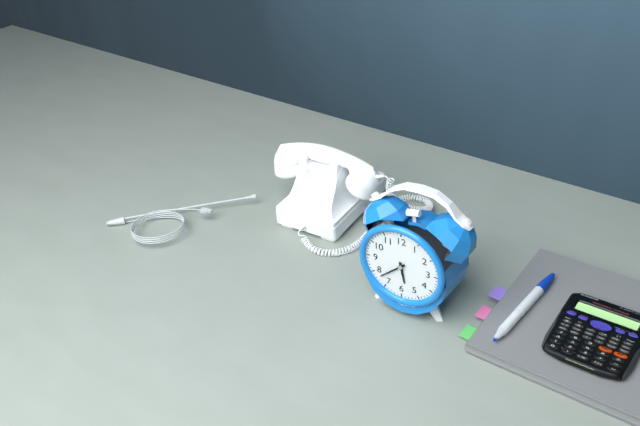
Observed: 5:38
